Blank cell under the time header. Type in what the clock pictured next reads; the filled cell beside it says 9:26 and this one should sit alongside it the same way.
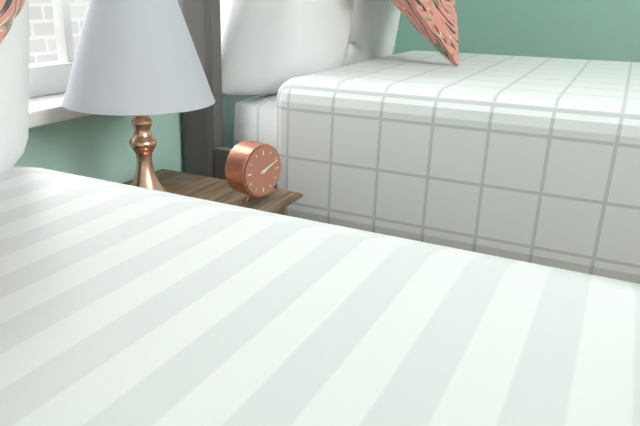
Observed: 2:11
